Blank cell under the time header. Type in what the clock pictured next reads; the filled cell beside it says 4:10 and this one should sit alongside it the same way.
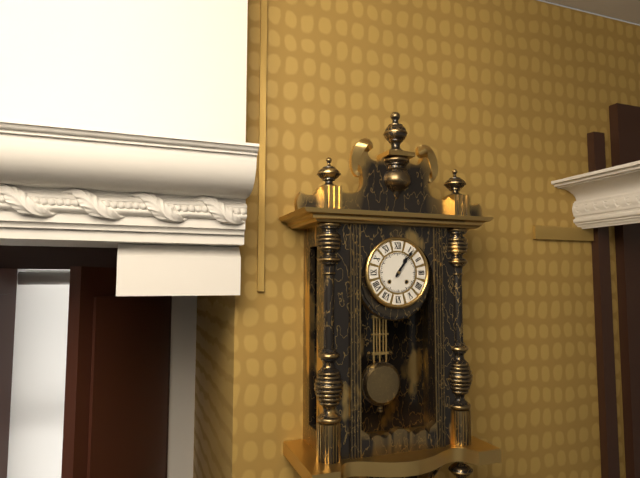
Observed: 1:06
